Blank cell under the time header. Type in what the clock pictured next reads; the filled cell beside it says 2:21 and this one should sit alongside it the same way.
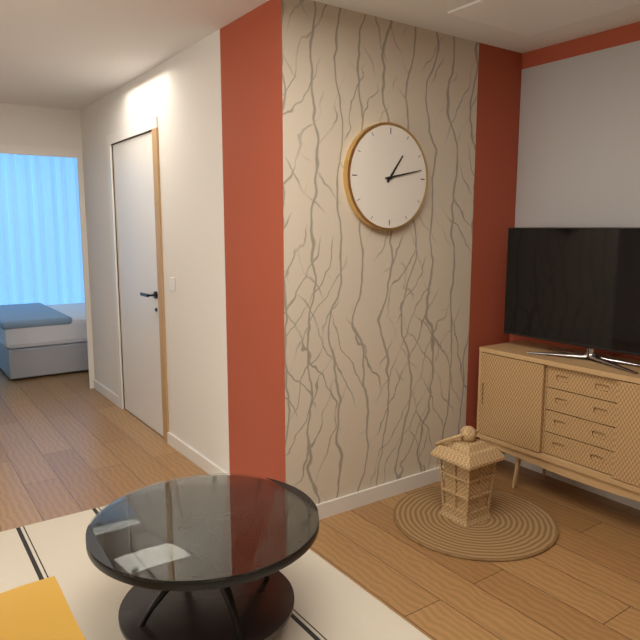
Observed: 1:13
